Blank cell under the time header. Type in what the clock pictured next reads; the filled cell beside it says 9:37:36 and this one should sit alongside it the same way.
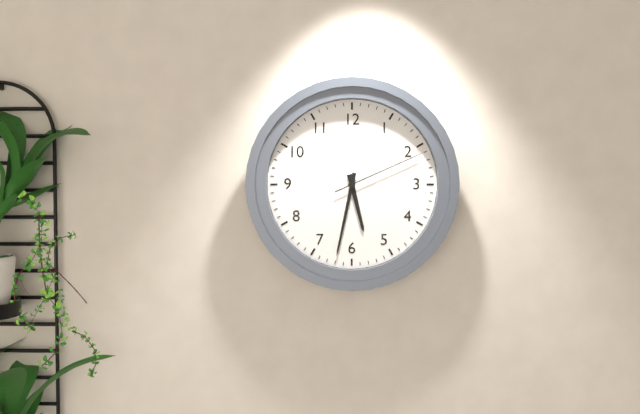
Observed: 5:32:11
